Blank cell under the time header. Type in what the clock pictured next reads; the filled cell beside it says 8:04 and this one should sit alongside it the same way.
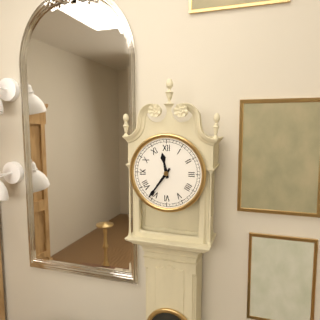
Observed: 11:36
